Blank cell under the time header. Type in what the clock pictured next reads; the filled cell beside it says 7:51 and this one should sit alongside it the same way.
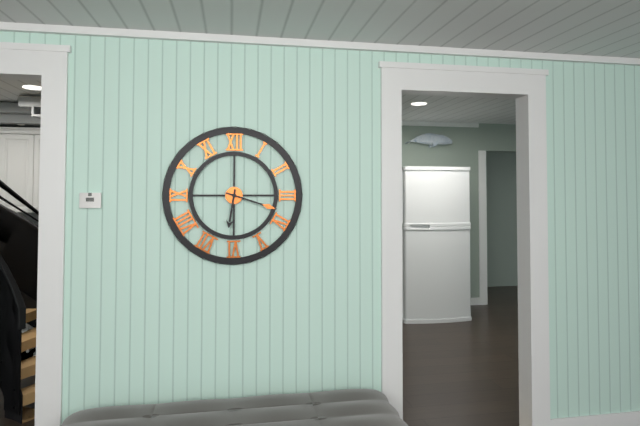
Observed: 6:18
